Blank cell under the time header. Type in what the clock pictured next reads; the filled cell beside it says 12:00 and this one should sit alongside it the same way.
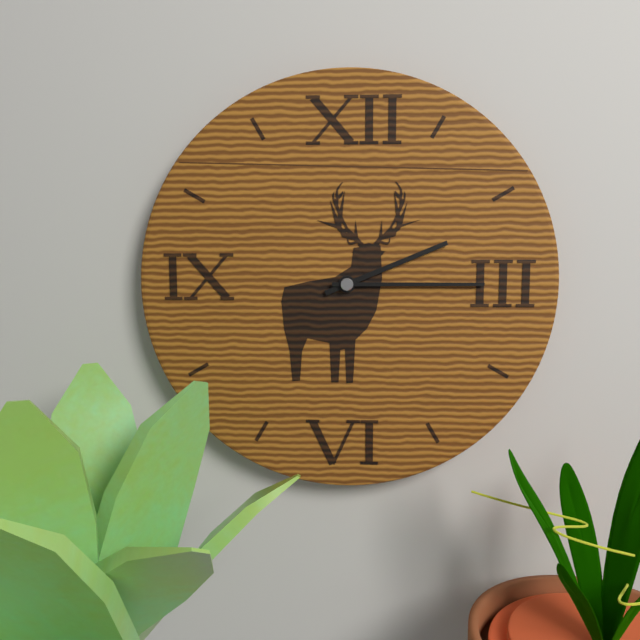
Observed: 2:15
